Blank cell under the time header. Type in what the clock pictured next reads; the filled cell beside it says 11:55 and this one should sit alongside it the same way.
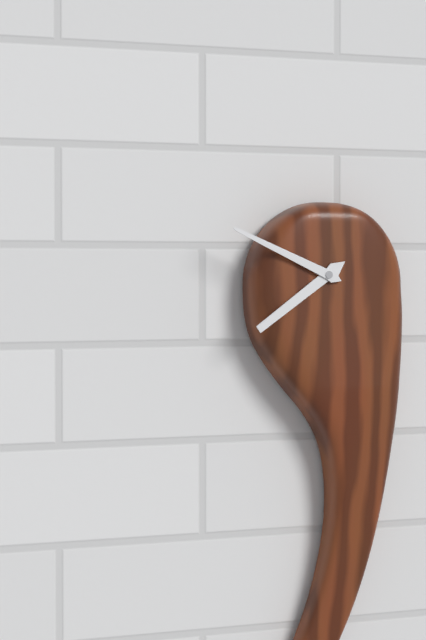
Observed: 7:49
